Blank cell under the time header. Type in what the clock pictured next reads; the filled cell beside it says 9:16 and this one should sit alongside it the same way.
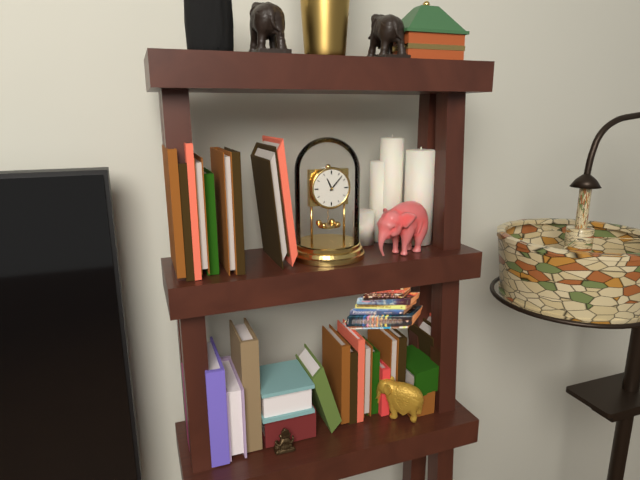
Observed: 11:07
